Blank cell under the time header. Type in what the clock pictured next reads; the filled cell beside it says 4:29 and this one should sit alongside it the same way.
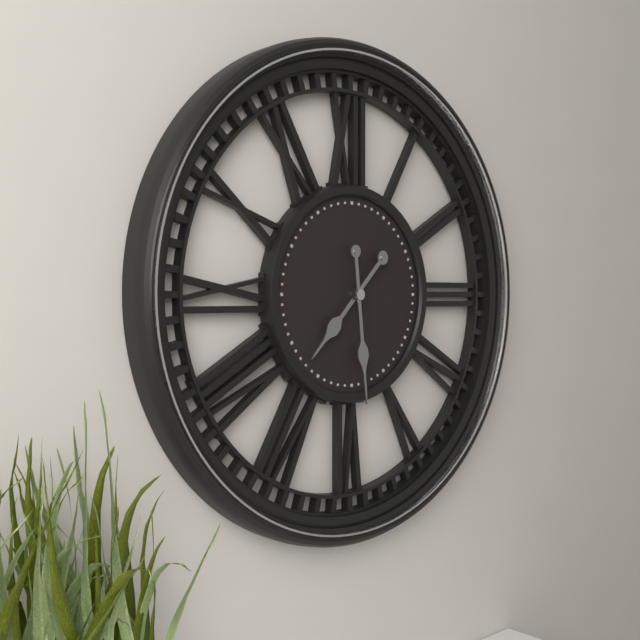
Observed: 7:29
